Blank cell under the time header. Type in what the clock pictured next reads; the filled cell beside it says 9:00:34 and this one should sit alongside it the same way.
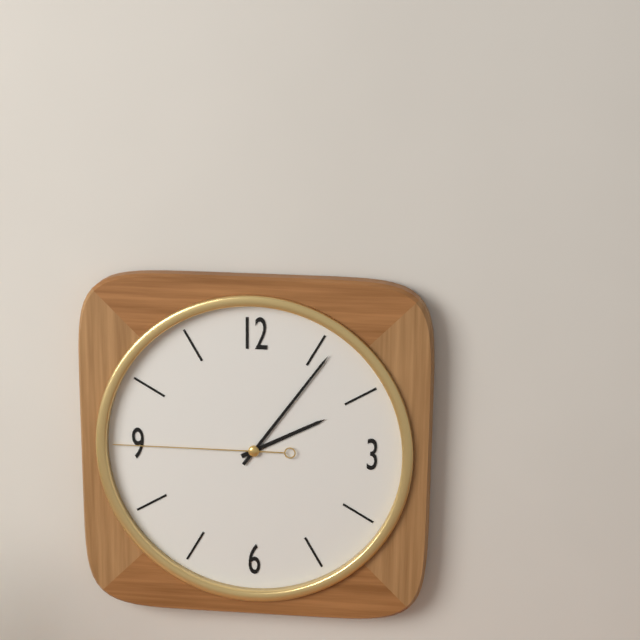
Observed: 2:06:45
